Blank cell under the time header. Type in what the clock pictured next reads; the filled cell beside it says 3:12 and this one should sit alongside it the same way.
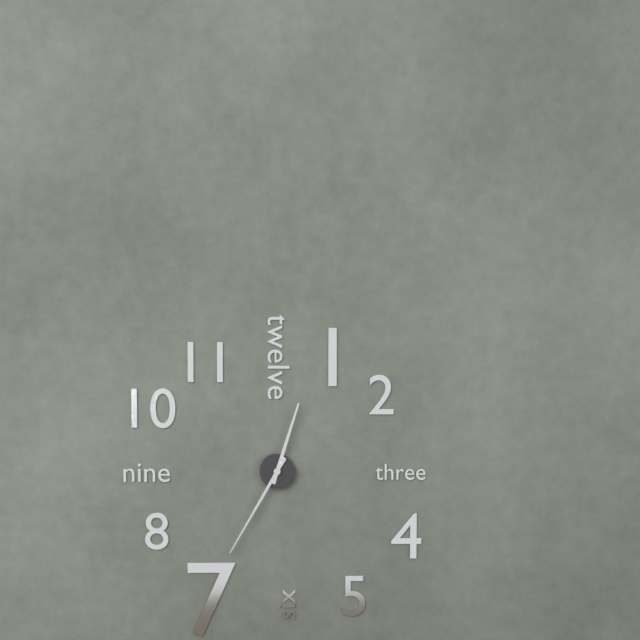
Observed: 12:35
